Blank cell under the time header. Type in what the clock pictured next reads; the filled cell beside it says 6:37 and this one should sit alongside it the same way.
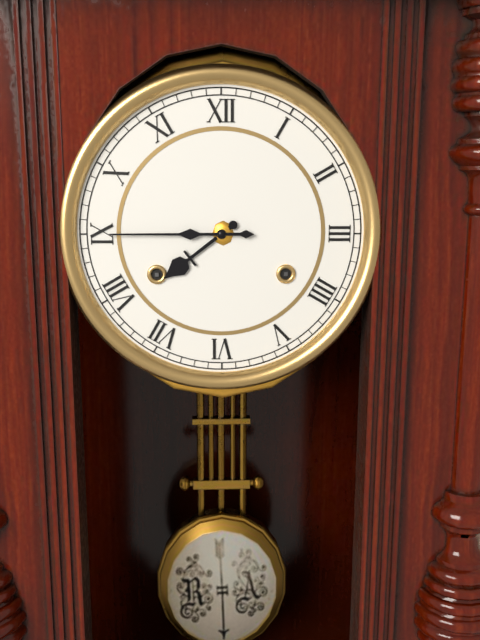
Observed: 7:45
